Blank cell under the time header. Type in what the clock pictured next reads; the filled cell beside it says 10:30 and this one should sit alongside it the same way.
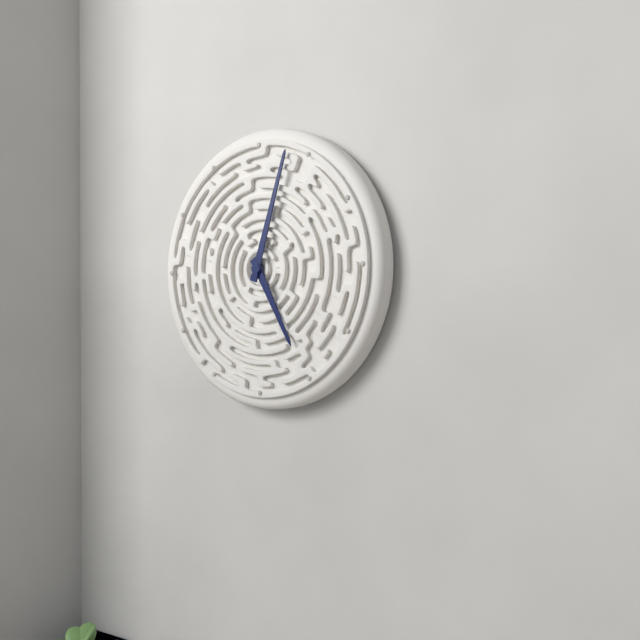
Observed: 5:03
